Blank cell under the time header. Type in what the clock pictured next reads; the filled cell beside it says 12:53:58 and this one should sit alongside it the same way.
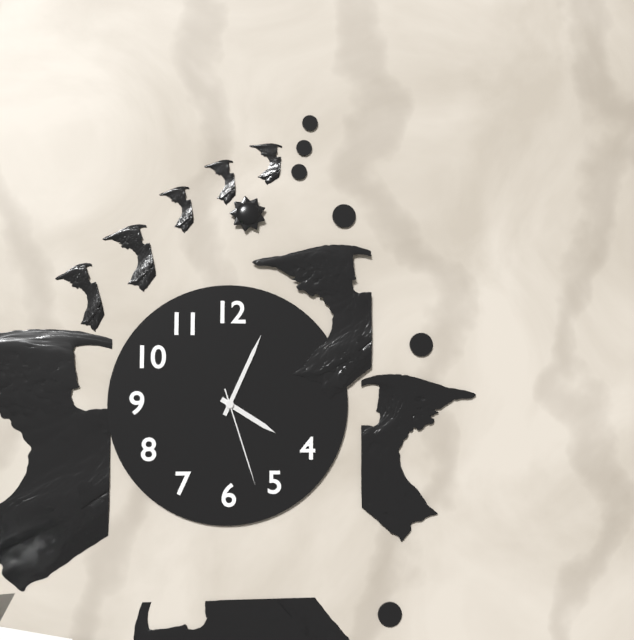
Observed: 4:04:27
